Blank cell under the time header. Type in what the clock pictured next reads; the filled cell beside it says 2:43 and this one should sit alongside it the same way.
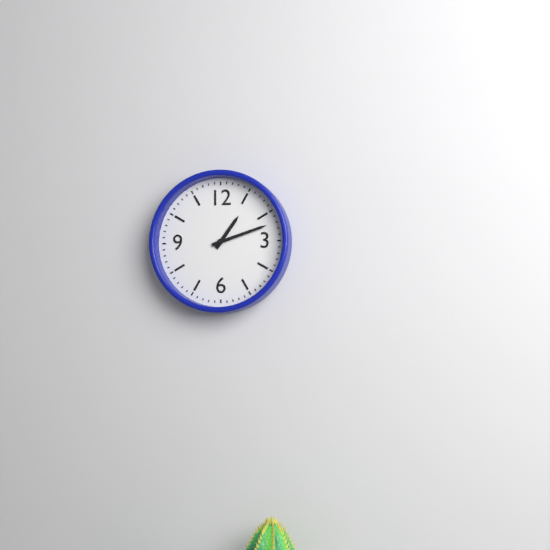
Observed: 1:12
